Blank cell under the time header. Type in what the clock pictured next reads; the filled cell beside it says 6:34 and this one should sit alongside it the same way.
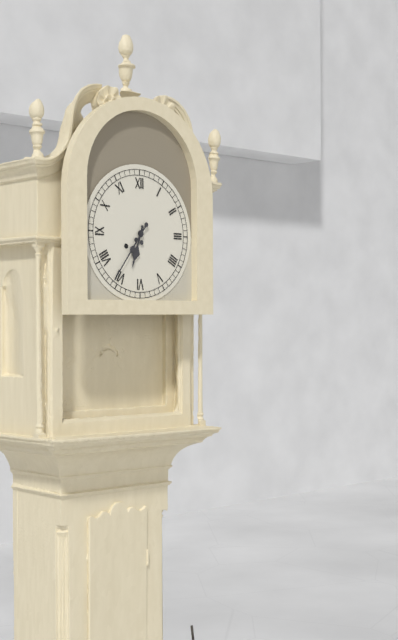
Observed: 6:36
